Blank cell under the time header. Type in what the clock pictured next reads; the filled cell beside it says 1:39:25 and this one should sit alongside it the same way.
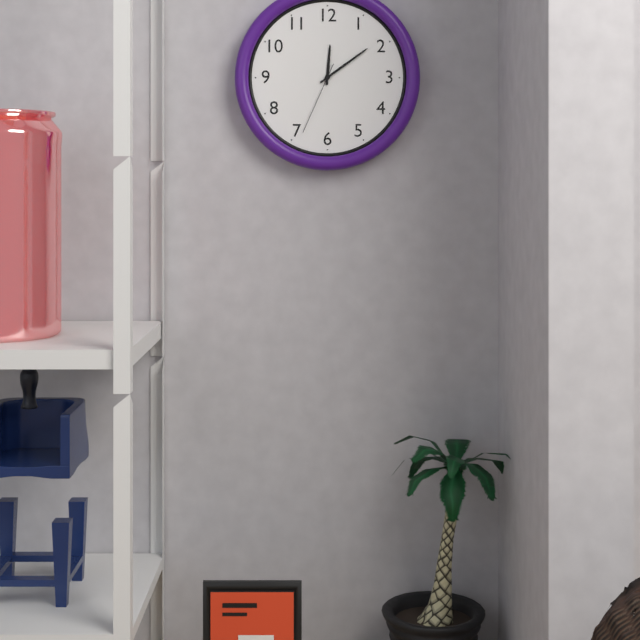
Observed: 12:09:34
